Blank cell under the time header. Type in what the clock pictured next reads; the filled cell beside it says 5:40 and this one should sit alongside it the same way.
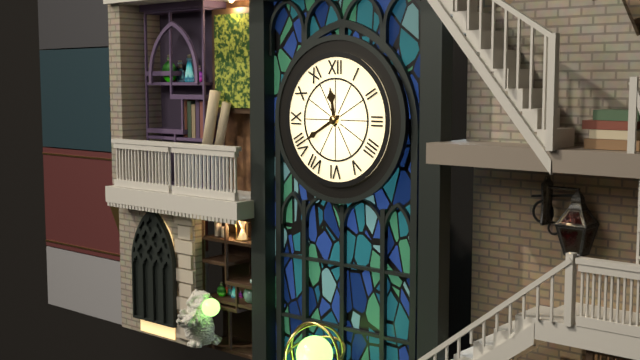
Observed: 11:40
